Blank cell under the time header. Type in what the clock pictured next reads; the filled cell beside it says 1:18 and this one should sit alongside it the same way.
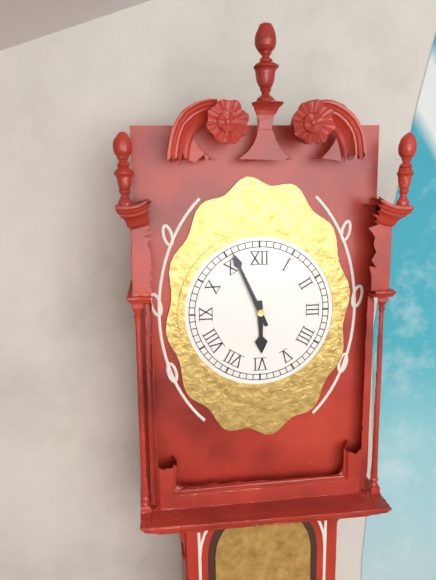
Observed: 5:56
